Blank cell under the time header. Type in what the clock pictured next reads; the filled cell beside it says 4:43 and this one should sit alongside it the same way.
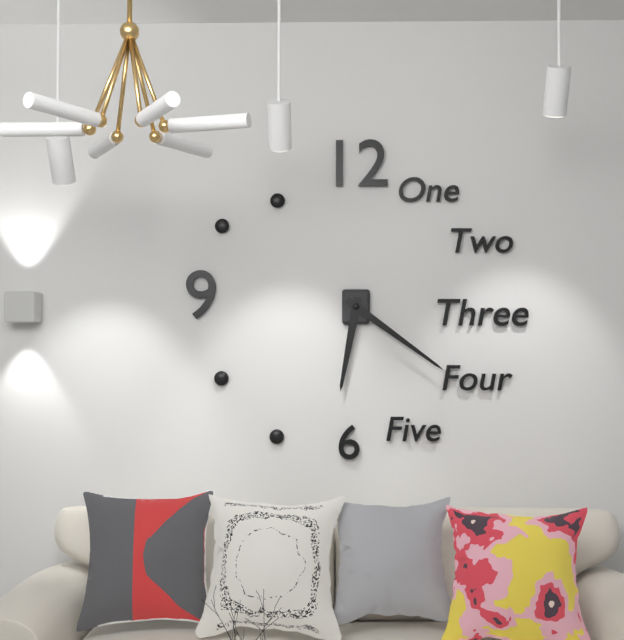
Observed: 6:21
